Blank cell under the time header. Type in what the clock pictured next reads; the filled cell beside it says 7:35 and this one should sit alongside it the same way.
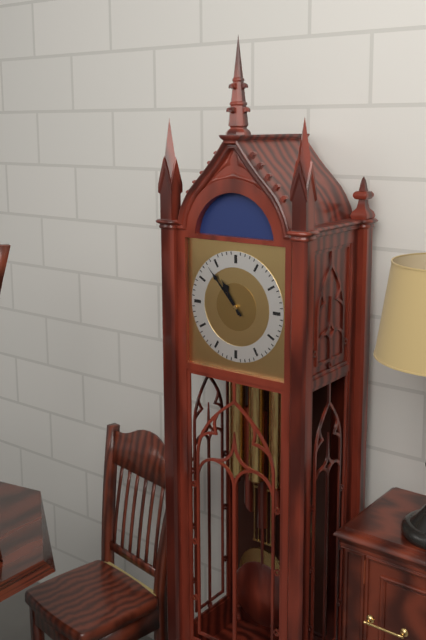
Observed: 10:53
